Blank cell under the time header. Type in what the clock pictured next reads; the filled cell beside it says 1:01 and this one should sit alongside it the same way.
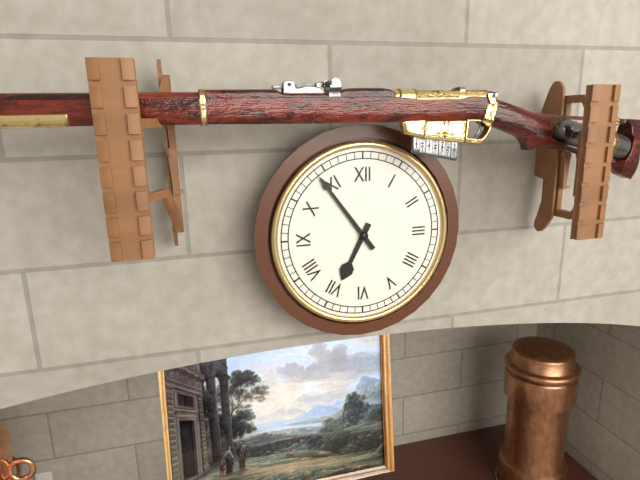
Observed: 6:54
